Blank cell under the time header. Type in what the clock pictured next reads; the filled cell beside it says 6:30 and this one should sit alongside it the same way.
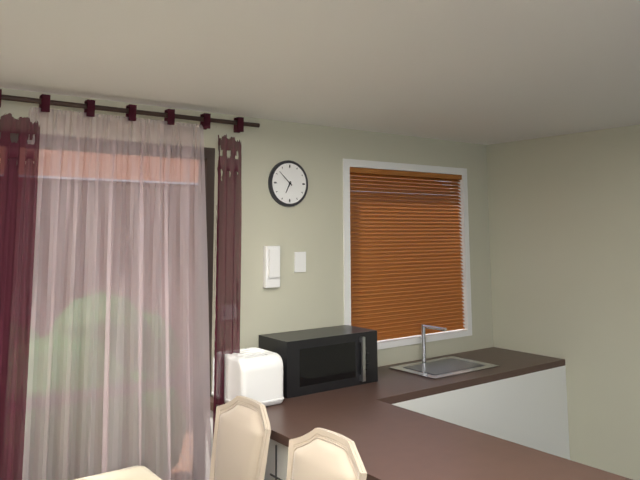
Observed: 6:52
